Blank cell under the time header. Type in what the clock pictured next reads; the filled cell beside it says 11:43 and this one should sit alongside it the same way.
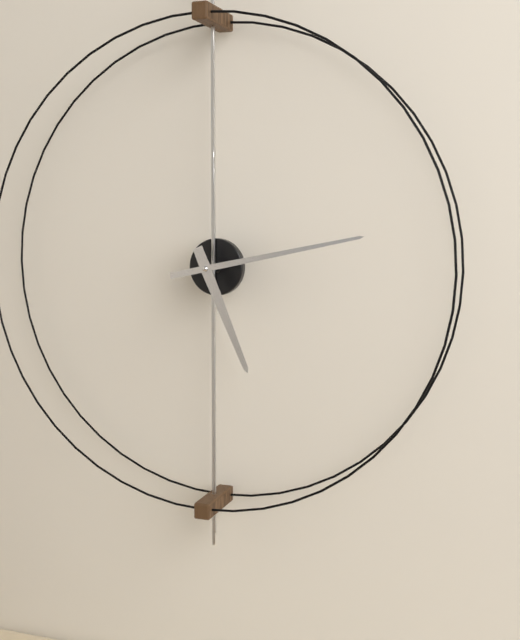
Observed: 5:13
